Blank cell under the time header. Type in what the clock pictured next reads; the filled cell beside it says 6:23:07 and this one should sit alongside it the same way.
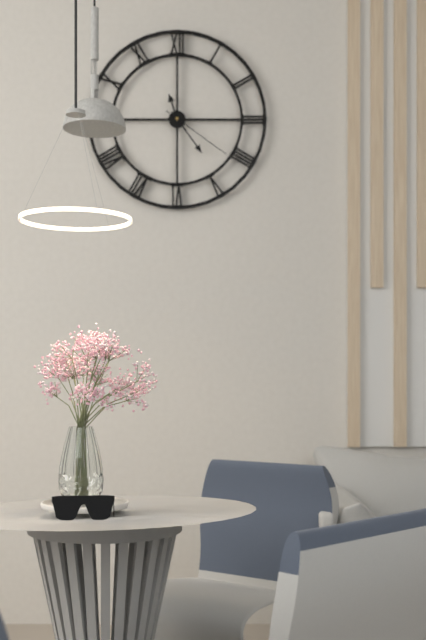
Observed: 11:24:21
